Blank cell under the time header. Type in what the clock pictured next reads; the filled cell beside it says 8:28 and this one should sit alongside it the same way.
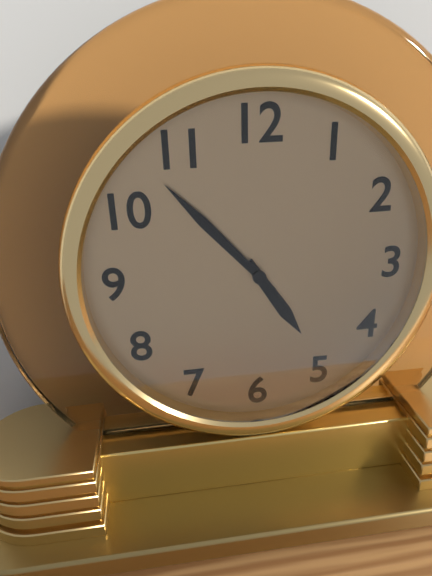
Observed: 4:53
